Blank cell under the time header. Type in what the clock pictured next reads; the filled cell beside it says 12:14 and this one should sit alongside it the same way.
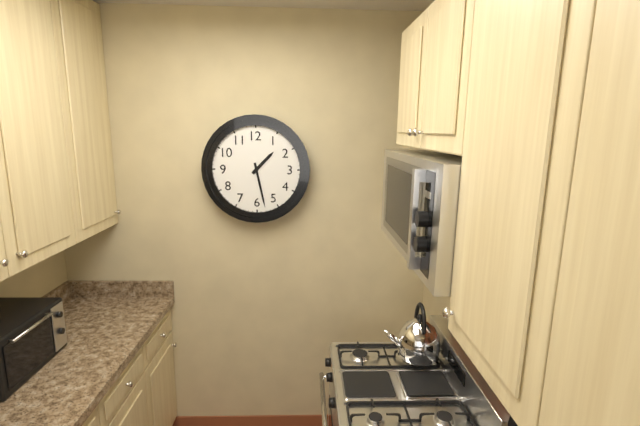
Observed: 1:28
